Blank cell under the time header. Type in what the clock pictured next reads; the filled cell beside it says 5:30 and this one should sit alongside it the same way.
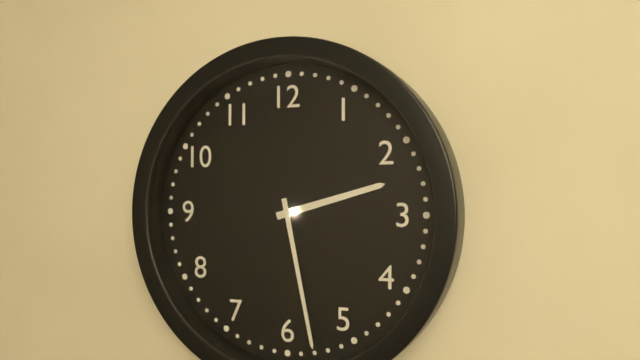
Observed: 2:28
